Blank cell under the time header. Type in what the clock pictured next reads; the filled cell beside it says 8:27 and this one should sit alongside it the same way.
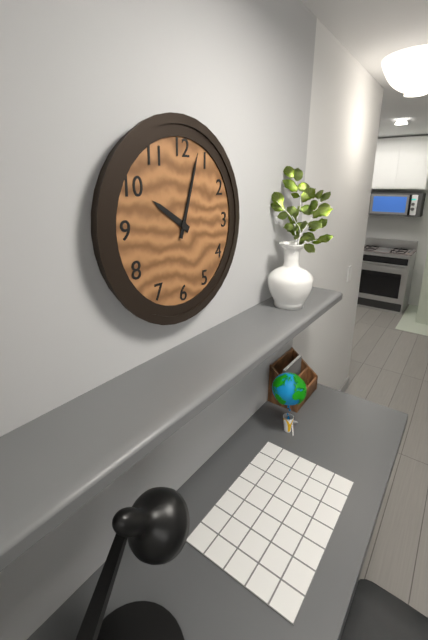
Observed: 10:03
